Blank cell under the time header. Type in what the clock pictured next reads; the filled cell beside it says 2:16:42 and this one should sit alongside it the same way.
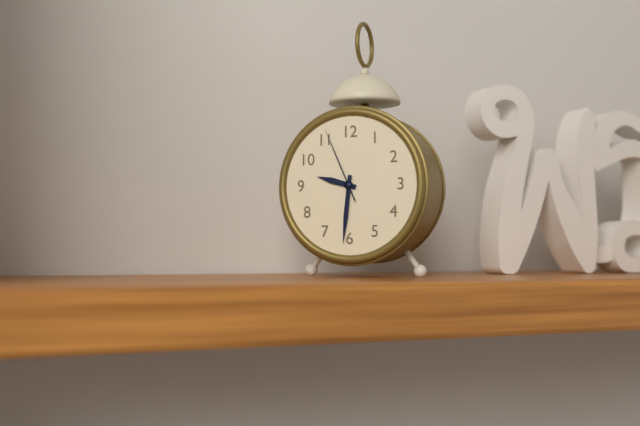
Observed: 9:31:56
